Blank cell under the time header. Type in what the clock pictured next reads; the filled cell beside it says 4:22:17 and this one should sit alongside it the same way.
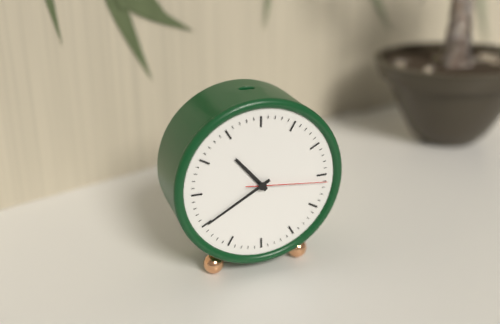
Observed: 10:40:16
